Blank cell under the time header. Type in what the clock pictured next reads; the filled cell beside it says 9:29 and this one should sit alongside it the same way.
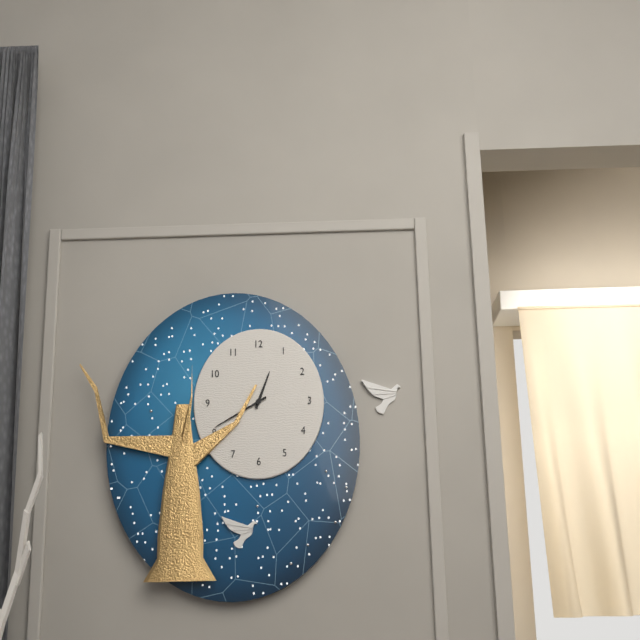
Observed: 12:40
